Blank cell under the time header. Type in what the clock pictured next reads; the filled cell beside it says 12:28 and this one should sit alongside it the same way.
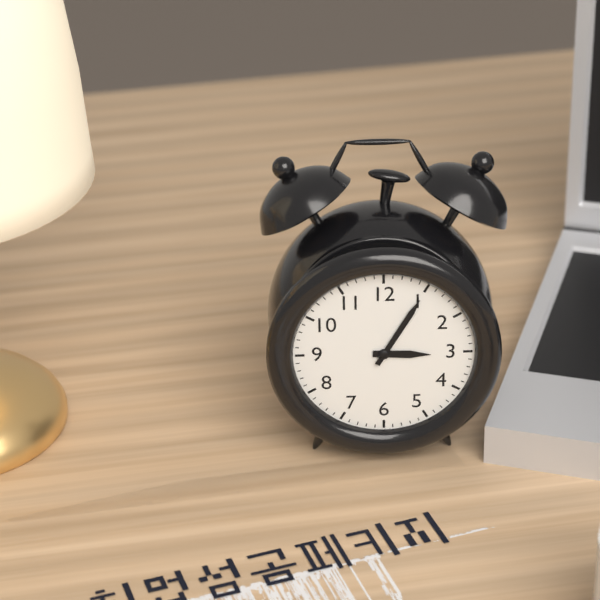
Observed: 3:05
